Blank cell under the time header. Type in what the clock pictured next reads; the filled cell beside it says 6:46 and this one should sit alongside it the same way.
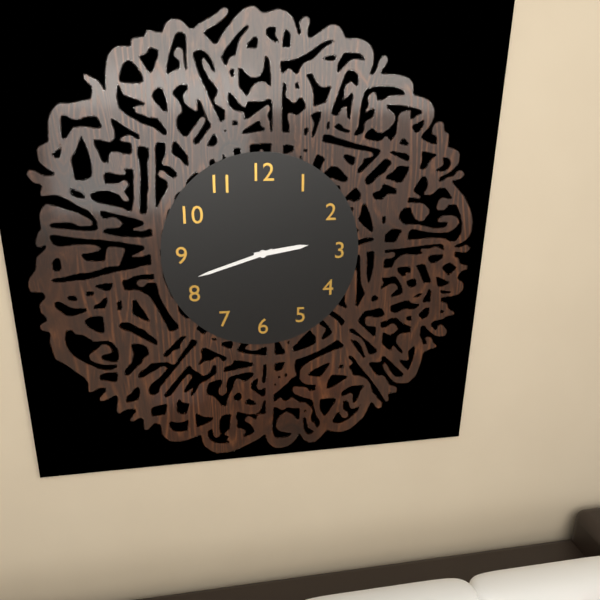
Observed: 2:42
